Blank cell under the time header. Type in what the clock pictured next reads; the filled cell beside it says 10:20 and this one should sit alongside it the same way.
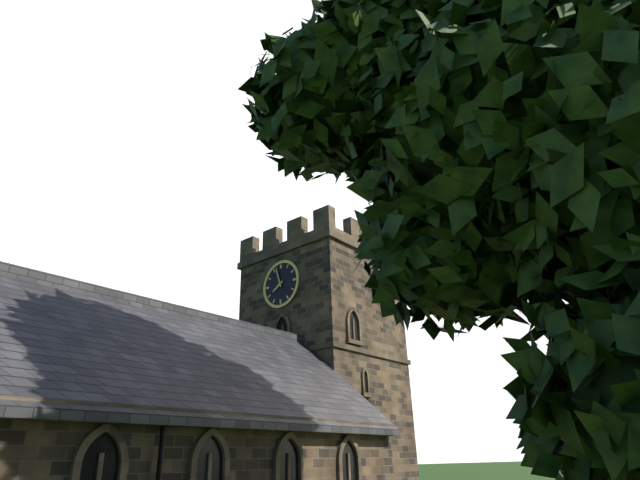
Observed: 7:57
